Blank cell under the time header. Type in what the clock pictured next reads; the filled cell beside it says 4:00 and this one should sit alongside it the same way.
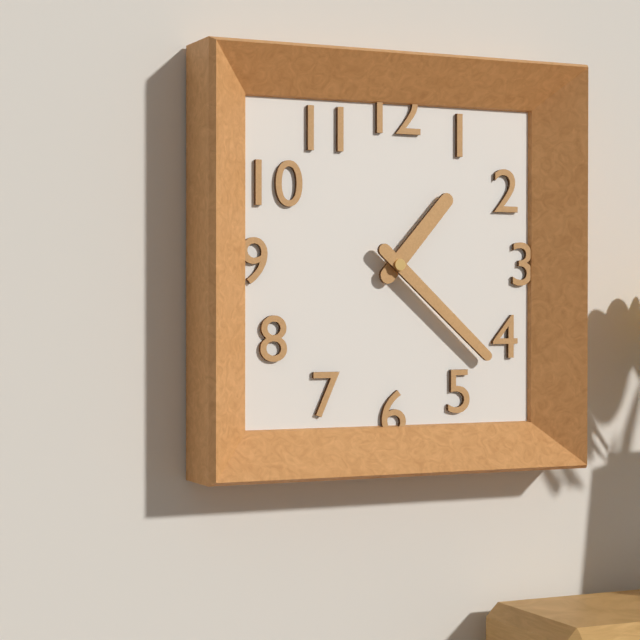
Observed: 1:22
